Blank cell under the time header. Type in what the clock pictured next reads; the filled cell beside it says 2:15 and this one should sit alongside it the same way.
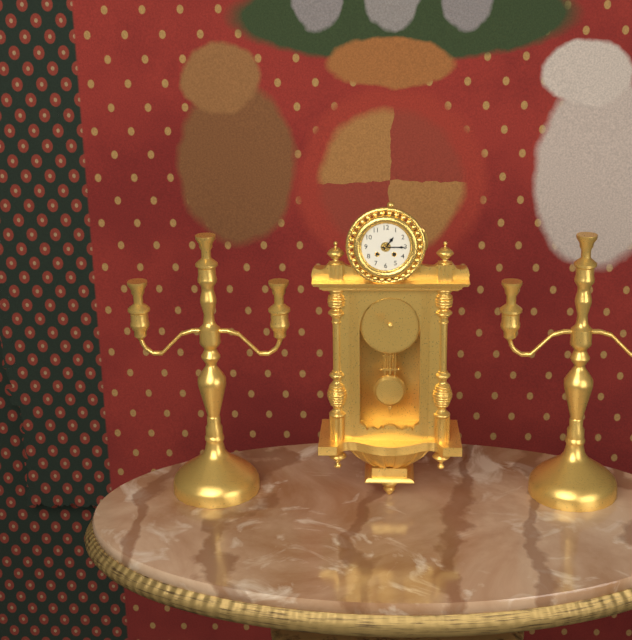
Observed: 1:15
